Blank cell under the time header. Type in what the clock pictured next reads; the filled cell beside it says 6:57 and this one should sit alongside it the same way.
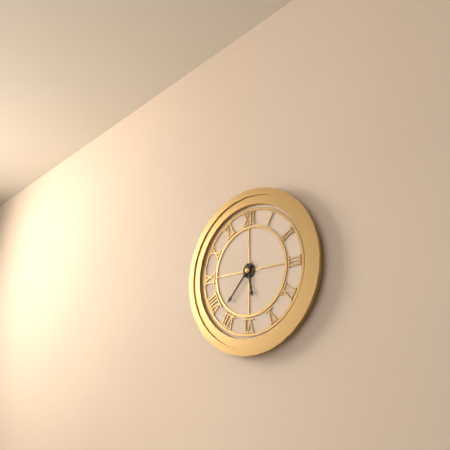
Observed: 5:37
